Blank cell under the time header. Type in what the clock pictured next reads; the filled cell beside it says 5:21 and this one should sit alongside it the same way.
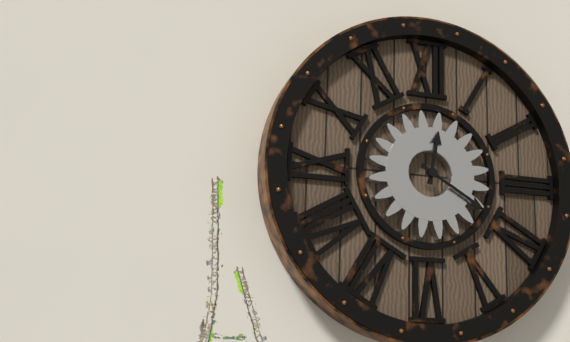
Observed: 12:20
